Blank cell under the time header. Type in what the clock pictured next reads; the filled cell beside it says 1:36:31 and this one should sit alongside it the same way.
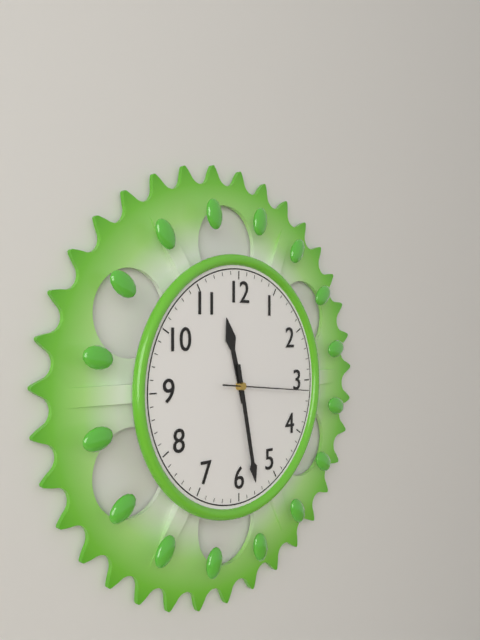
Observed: 11:28:16
